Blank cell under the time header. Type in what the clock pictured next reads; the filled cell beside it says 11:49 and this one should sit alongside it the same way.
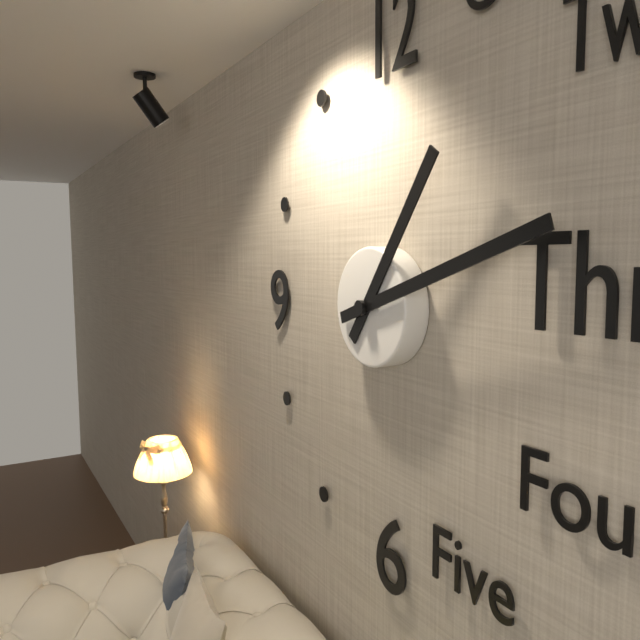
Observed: 1:12
